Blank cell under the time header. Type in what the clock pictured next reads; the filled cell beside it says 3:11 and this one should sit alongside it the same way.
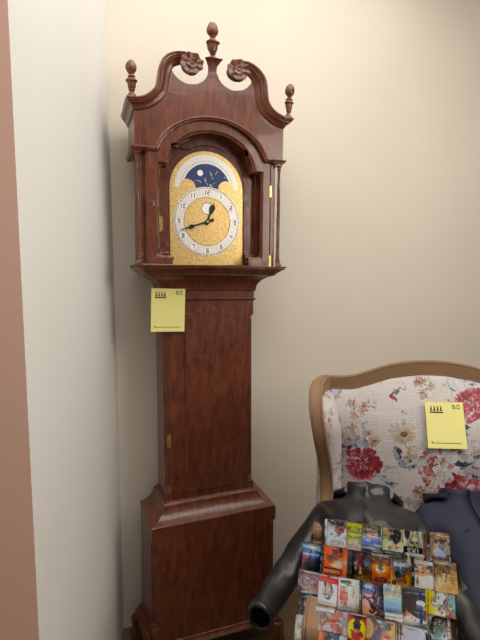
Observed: 12:42
